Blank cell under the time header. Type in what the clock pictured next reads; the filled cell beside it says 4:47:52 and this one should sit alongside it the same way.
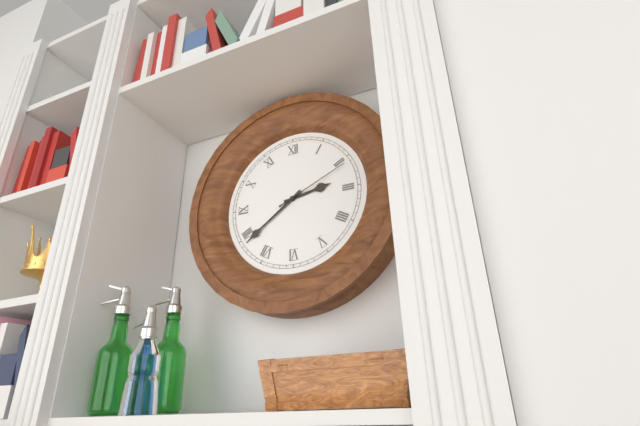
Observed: 2:39:11
